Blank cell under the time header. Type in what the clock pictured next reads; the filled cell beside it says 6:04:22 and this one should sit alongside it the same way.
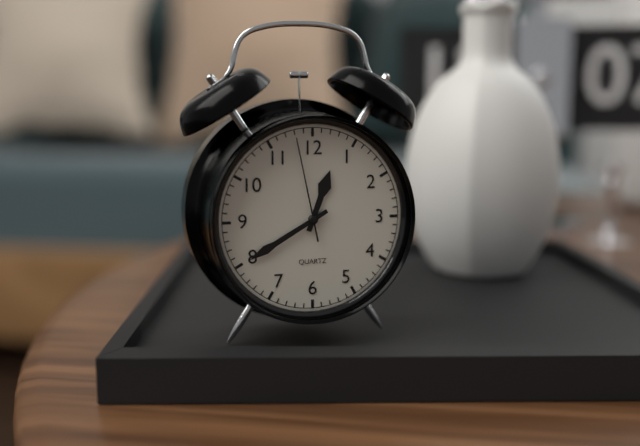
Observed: 12:40:58
